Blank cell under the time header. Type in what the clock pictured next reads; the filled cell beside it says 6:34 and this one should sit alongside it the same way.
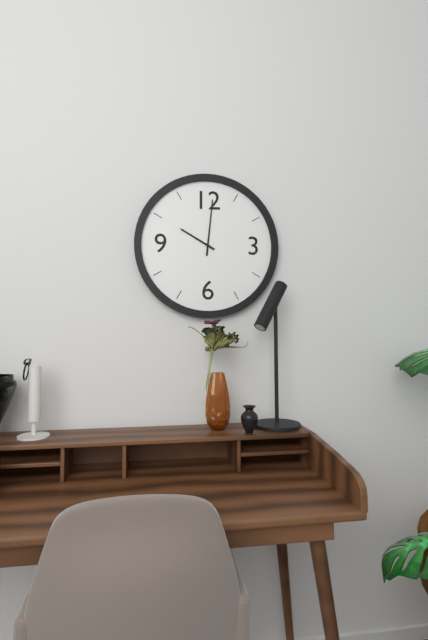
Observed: 10:01
